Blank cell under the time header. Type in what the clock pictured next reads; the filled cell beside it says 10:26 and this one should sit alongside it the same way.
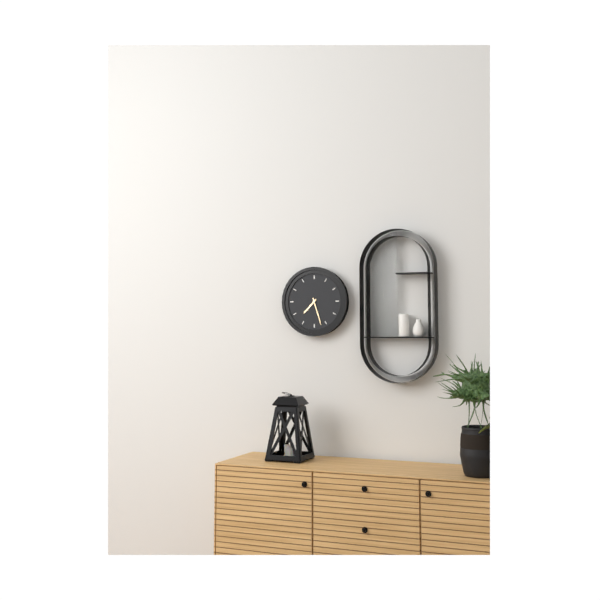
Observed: 7:27
